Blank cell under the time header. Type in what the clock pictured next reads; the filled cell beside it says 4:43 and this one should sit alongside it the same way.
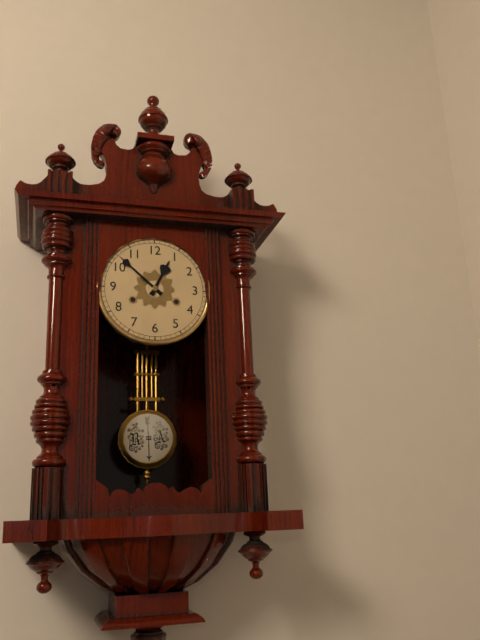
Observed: 12:52
